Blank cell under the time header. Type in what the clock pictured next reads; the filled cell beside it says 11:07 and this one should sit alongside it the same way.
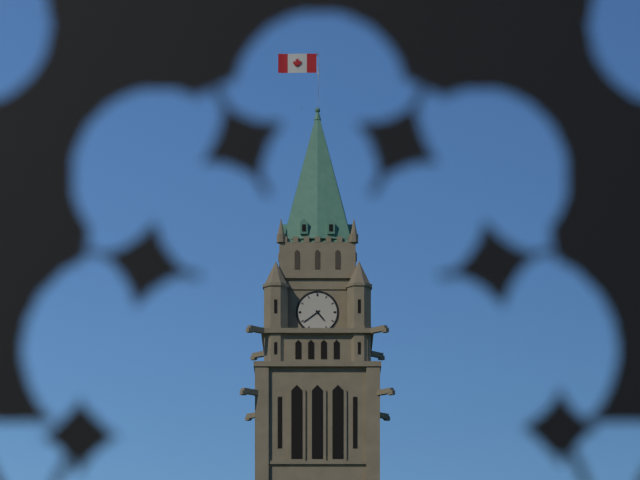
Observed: 4:39
